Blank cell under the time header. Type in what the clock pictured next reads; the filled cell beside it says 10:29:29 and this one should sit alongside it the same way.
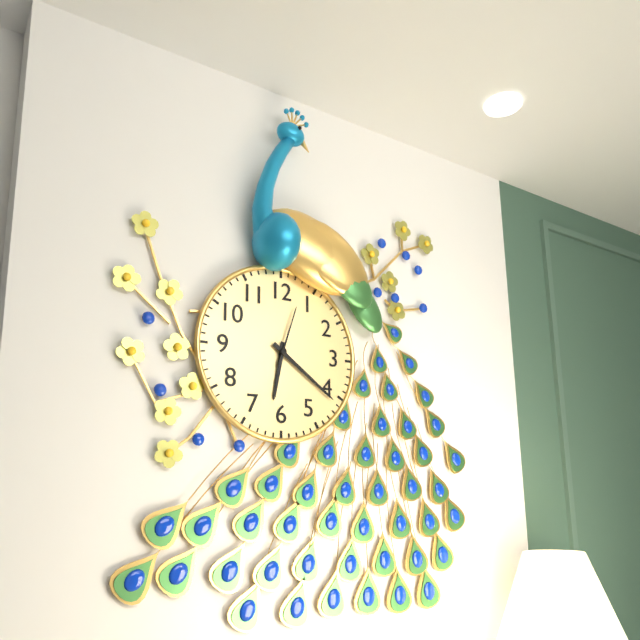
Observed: 6:21:03
